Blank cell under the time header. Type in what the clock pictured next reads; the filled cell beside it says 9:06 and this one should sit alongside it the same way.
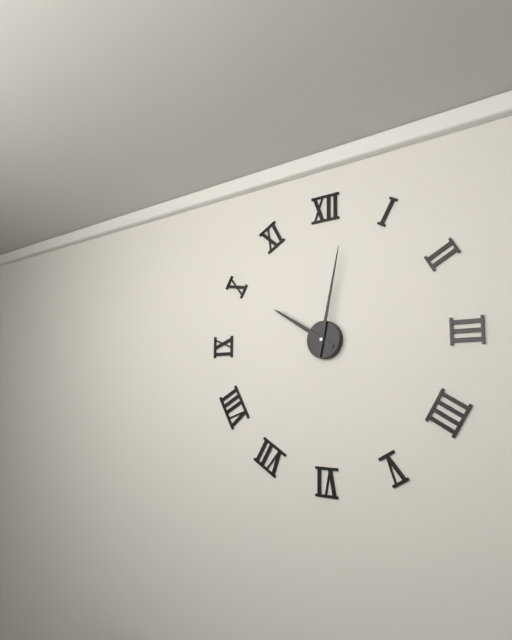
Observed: 10:02
